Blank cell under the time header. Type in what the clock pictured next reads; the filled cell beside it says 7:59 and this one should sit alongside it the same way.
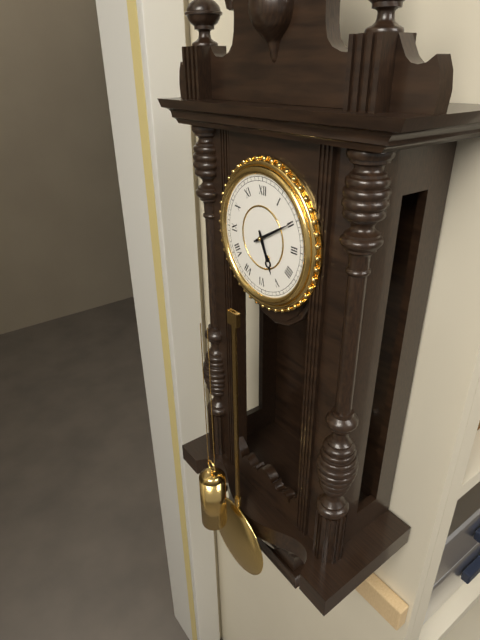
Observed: 5:10
